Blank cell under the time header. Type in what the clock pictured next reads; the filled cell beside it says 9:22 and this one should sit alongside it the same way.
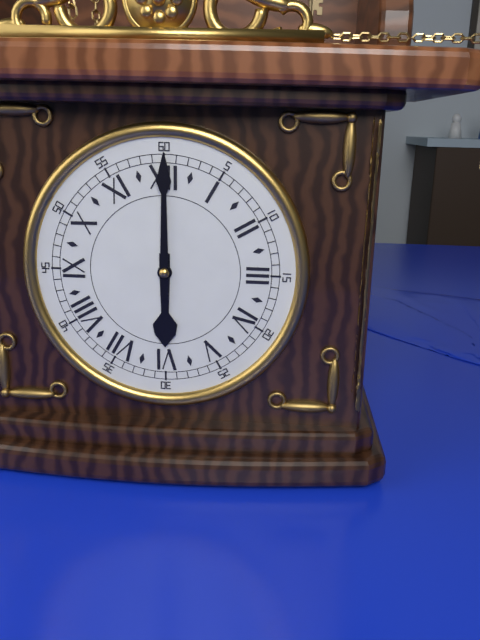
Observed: 6:00
